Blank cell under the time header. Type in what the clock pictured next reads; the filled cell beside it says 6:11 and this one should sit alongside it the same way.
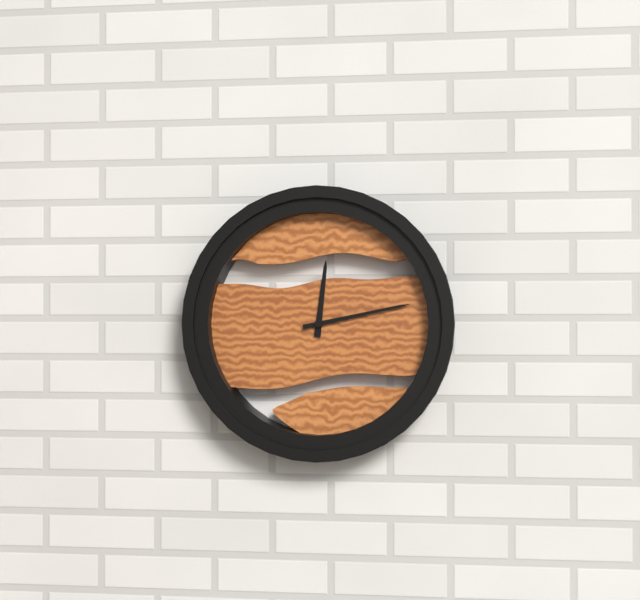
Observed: 12:13
